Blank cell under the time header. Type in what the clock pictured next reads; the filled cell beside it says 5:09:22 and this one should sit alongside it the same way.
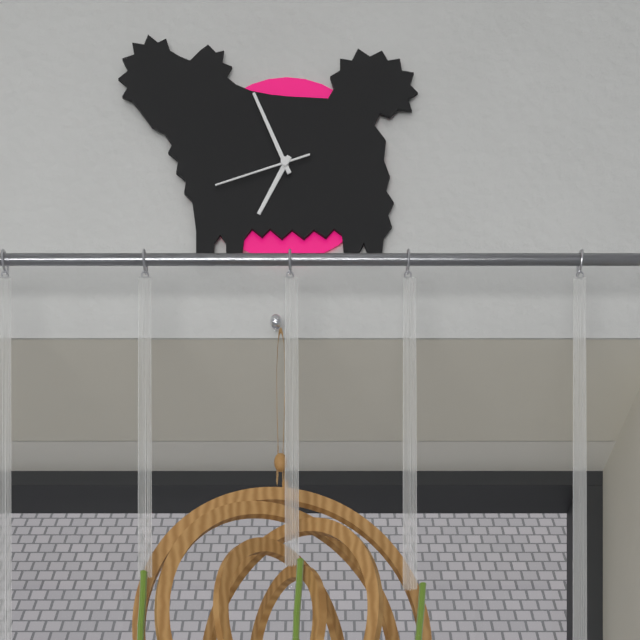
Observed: 6:56:42
